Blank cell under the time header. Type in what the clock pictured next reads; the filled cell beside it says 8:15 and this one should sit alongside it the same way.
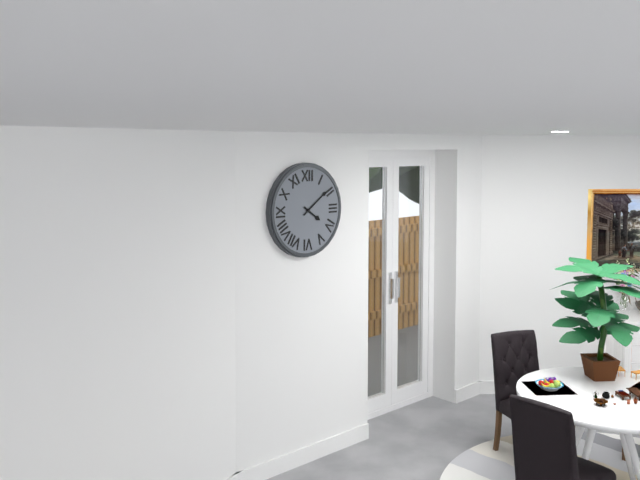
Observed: 4:09
